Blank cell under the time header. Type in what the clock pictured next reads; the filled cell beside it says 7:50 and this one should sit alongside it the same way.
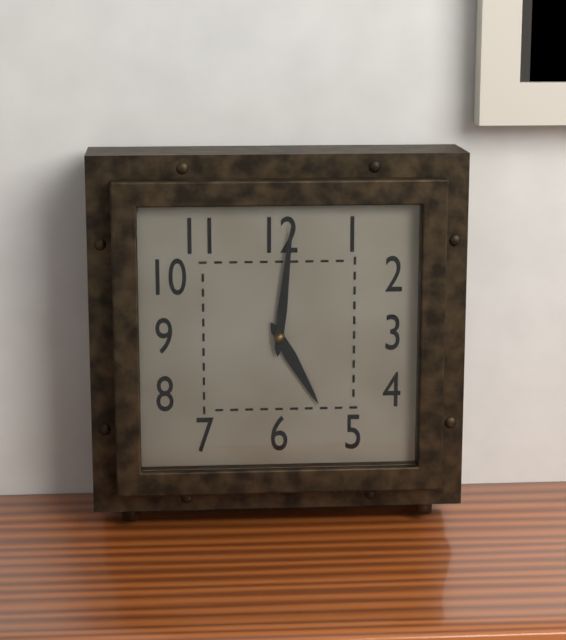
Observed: 5:01
